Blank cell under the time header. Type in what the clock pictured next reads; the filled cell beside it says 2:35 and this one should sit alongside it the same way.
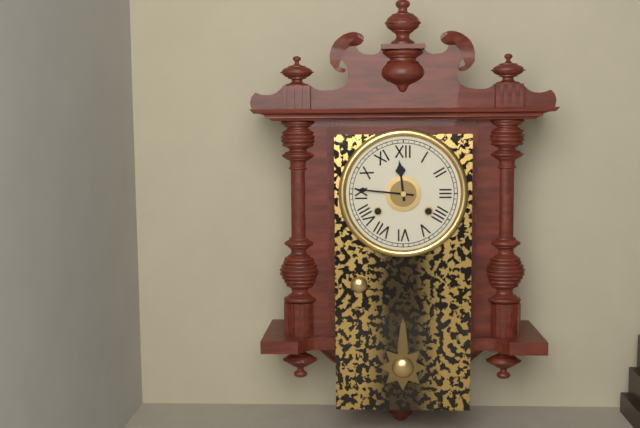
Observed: 11:46
